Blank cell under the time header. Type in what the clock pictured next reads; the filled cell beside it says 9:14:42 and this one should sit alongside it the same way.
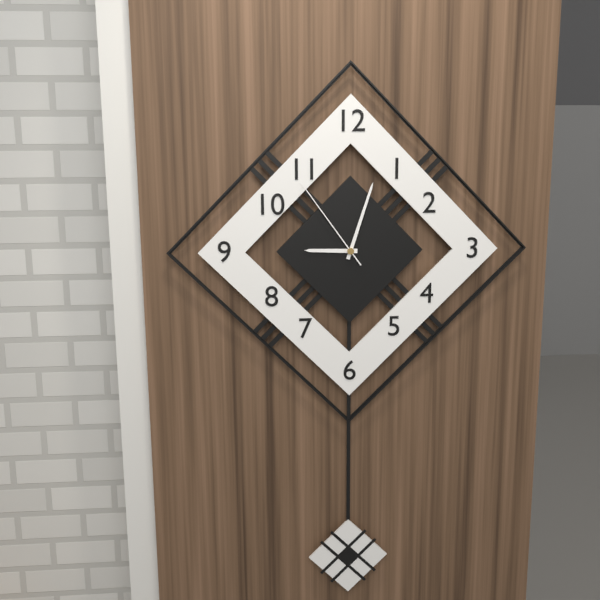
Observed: 9:03:54
